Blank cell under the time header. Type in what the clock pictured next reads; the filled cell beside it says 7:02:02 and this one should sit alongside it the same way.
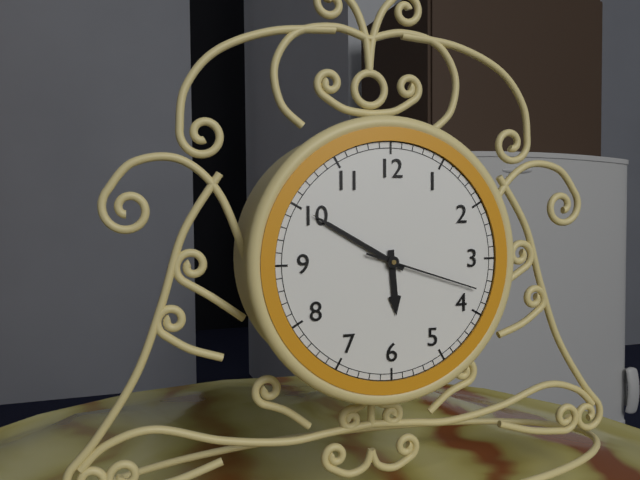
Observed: 5:50:18
